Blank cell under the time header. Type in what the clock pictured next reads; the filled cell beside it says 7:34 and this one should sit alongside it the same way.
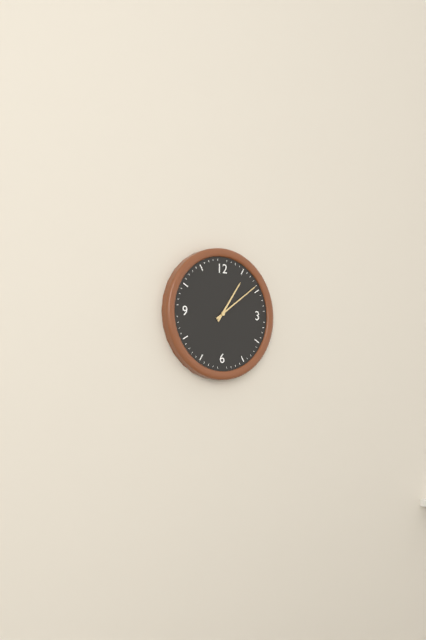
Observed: 1:09
